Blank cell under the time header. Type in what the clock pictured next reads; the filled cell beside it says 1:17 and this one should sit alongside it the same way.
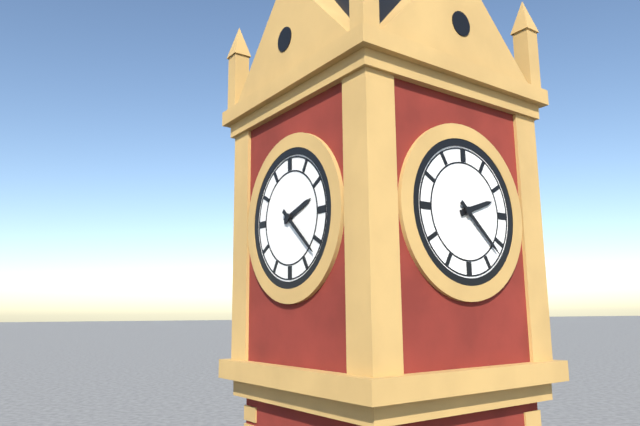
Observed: 2:22
